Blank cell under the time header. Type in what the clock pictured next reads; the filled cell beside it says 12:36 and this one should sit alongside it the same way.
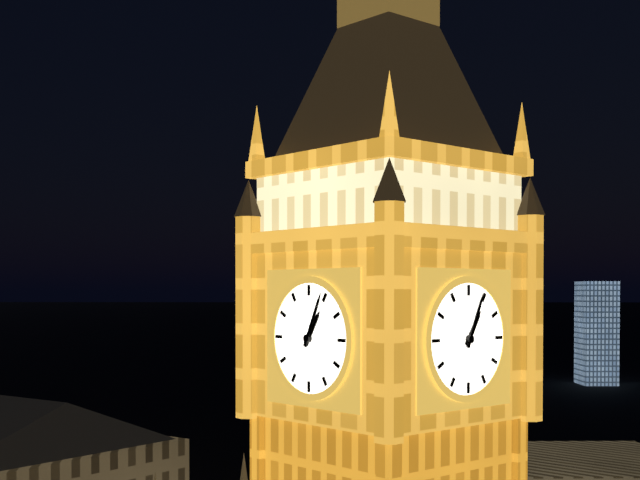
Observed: 1:04
